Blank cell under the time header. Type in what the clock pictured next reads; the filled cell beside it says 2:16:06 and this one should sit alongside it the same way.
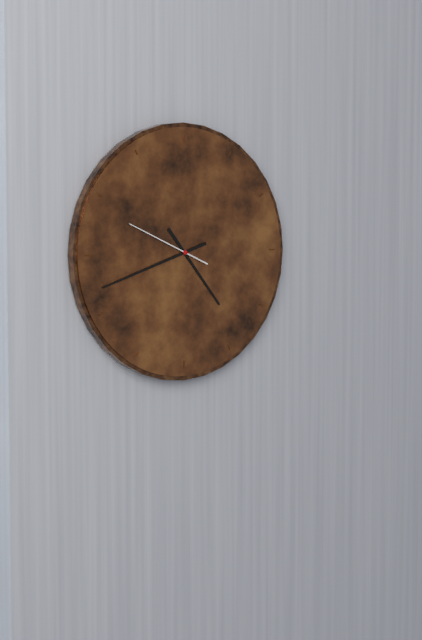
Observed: 4:42:49
